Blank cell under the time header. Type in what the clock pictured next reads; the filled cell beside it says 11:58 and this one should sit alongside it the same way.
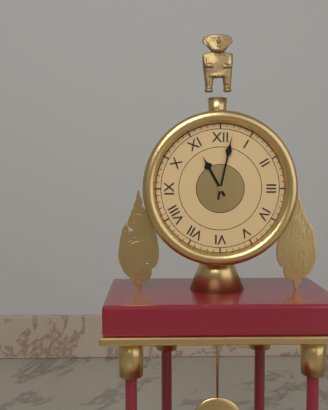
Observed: 11:02
